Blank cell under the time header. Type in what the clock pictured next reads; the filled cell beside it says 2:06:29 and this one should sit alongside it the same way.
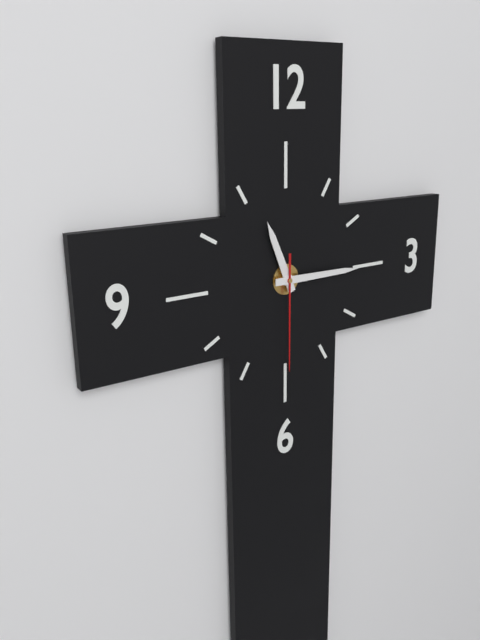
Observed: 11:15:30
